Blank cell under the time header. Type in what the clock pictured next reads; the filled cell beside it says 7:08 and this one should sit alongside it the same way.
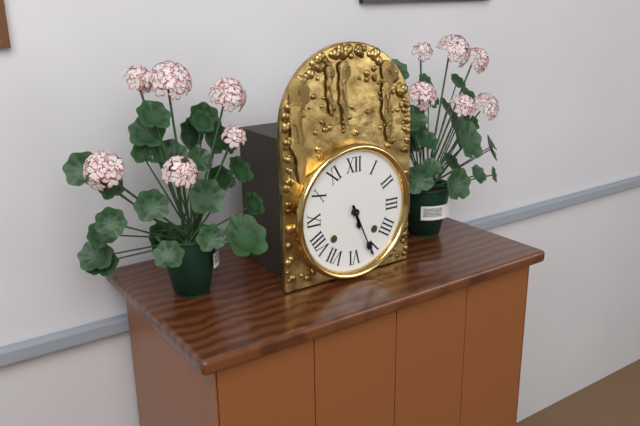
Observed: 5:26
